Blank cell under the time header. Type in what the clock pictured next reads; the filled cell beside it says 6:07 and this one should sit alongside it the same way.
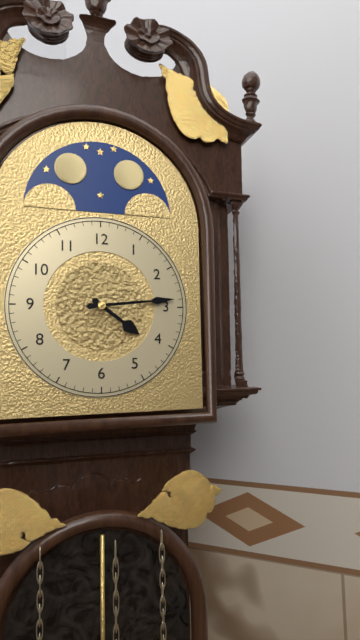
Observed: 4:14
